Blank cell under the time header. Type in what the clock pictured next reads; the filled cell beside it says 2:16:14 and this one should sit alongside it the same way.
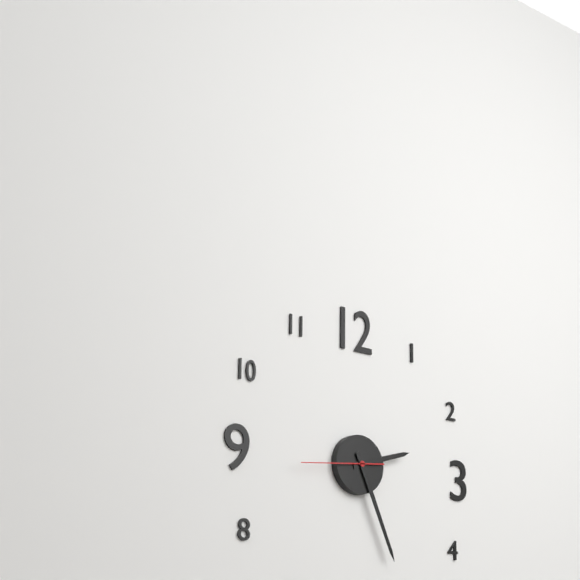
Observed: 2:26:44
